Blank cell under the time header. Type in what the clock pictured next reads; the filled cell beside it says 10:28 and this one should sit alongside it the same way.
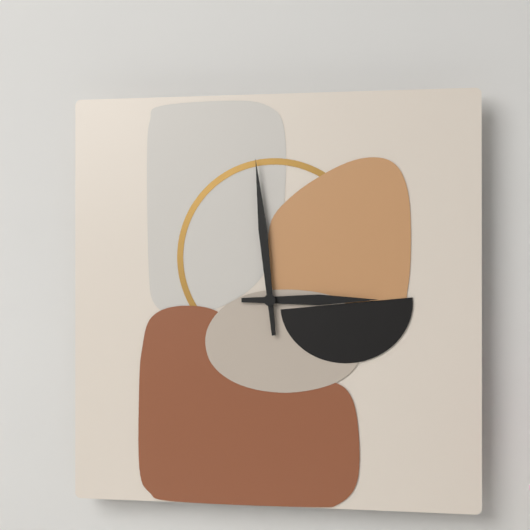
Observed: 2:59
